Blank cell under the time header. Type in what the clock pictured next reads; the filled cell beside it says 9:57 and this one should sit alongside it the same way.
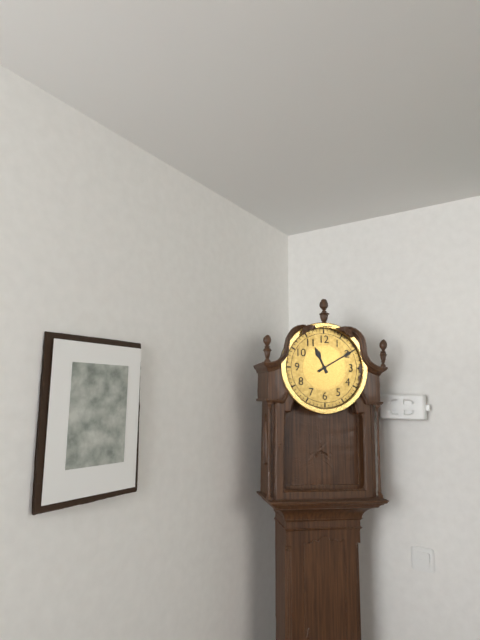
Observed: 11:10
